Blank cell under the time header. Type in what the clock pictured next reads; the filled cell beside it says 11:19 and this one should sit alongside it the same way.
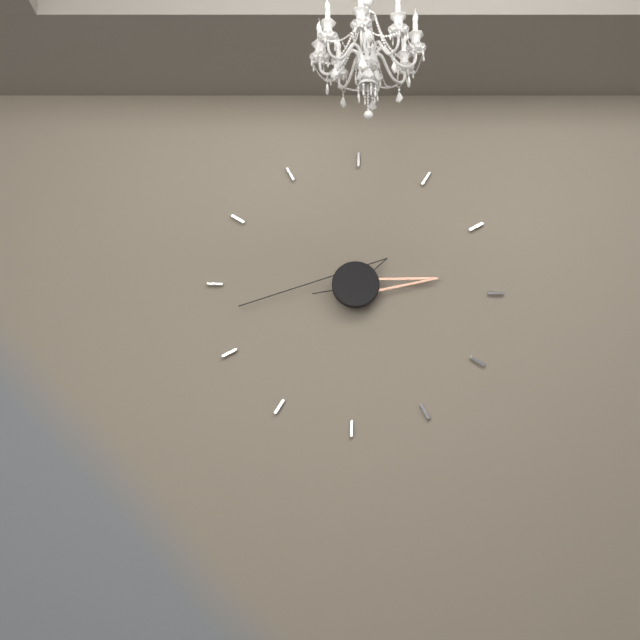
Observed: 2:43
